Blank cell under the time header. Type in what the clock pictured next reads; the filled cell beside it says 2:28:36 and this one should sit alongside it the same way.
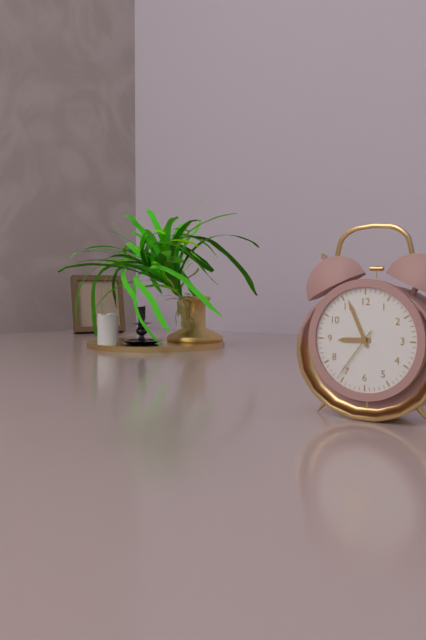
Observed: 8:56:36
